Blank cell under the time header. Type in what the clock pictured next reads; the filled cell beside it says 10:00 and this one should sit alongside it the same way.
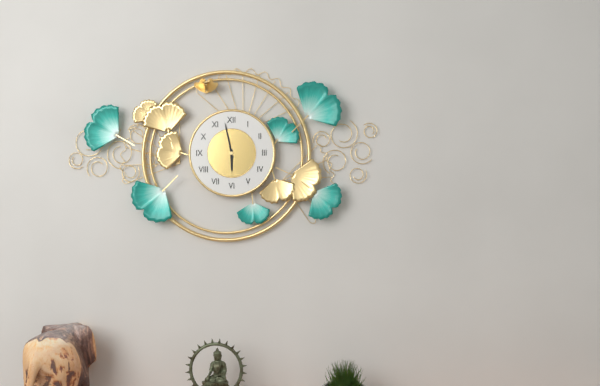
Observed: 5:58
